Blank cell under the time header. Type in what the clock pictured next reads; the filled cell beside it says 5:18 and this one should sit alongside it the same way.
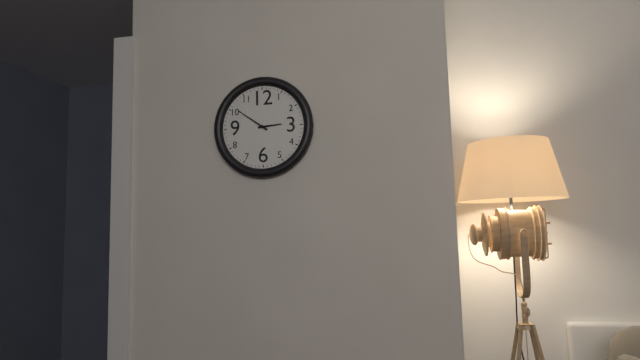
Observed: 2:51
